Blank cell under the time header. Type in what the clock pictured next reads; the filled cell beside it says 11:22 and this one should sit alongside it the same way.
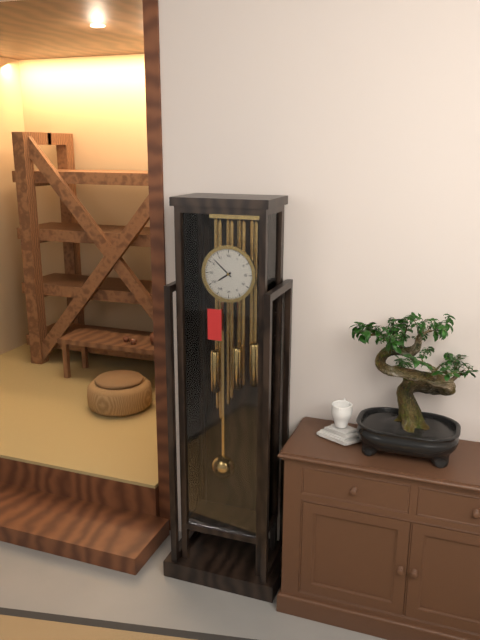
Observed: 7:52
